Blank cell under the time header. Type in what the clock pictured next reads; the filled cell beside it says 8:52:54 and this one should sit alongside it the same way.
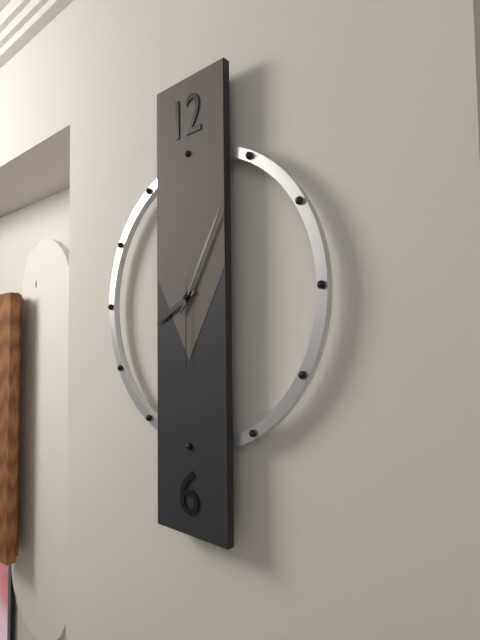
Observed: 8:05:30
